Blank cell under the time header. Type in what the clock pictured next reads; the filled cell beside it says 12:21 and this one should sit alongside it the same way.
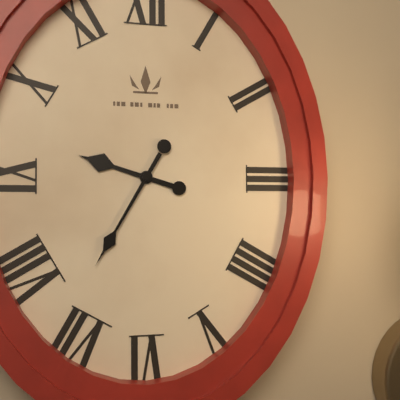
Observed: 9:35
